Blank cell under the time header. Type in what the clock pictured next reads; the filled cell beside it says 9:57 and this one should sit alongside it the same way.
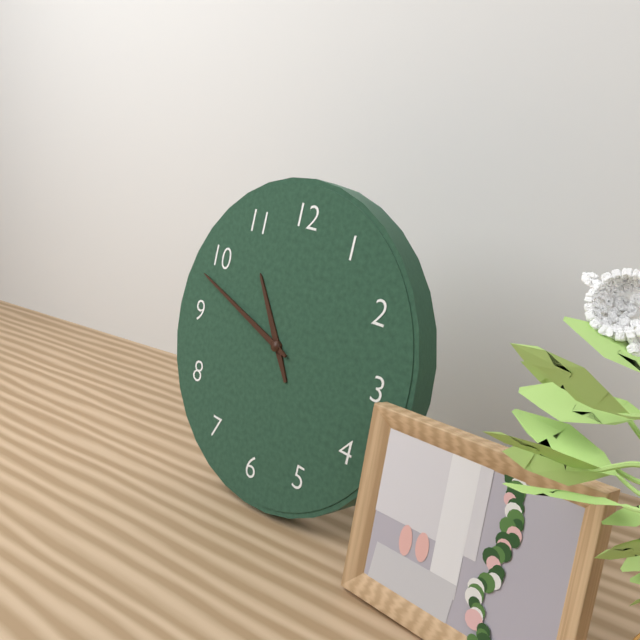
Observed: 10:48
